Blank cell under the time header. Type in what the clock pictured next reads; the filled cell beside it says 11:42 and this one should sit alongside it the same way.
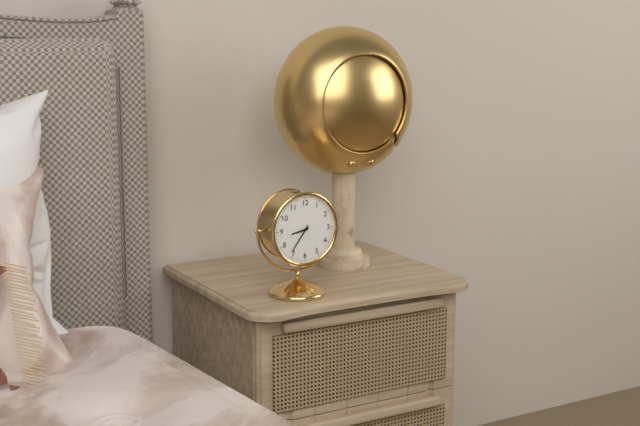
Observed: 8:36
